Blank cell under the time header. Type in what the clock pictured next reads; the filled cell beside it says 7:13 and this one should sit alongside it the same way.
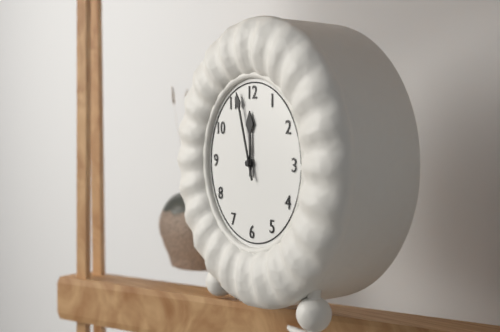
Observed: 11:57
